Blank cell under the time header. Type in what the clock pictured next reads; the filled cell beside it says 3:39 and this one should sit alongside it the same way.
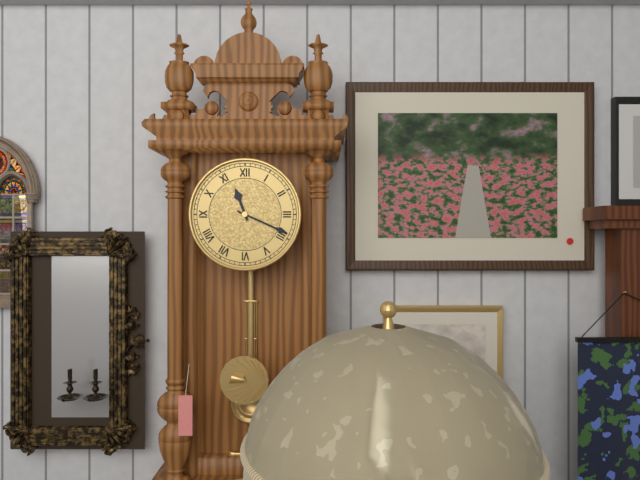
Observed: 11:19
